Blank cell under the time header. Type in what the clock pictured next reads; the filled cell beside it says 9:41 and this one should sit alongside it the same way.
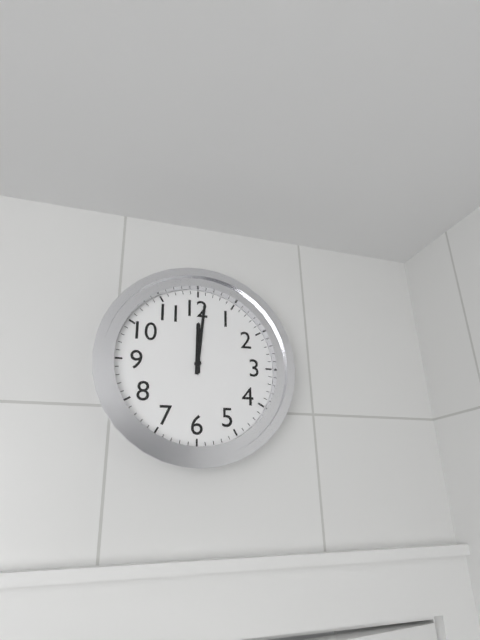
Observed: 12:01
